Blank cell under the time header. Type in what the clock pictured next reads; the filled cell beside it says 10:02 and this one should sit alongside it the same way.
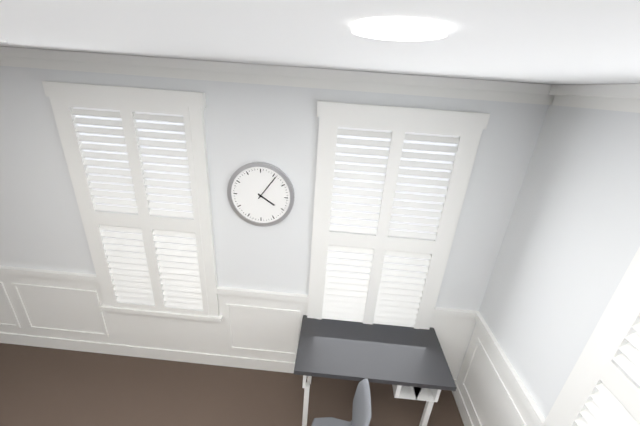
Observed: 4:06
